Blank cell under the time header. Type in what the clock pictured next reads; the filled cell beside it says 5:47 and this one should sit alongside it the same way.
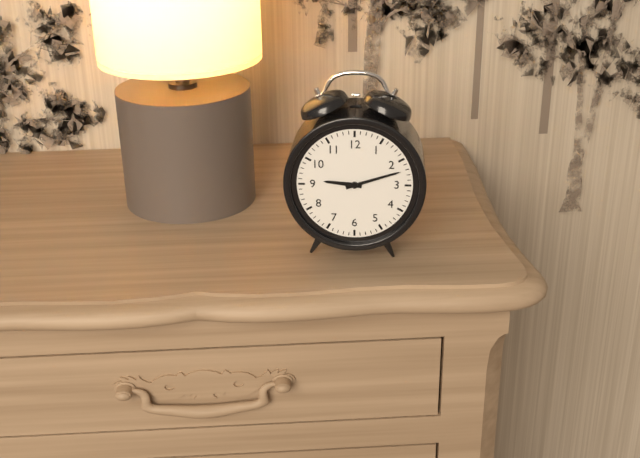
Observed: 9:12
